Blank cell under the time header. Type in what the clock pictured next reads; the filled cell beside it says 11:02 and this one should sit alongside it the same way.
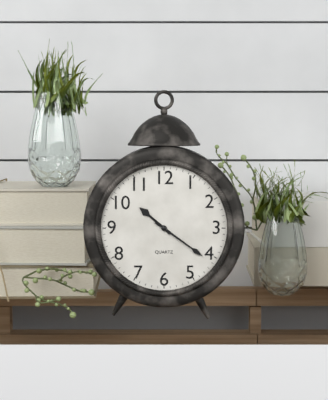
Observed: 10:21
